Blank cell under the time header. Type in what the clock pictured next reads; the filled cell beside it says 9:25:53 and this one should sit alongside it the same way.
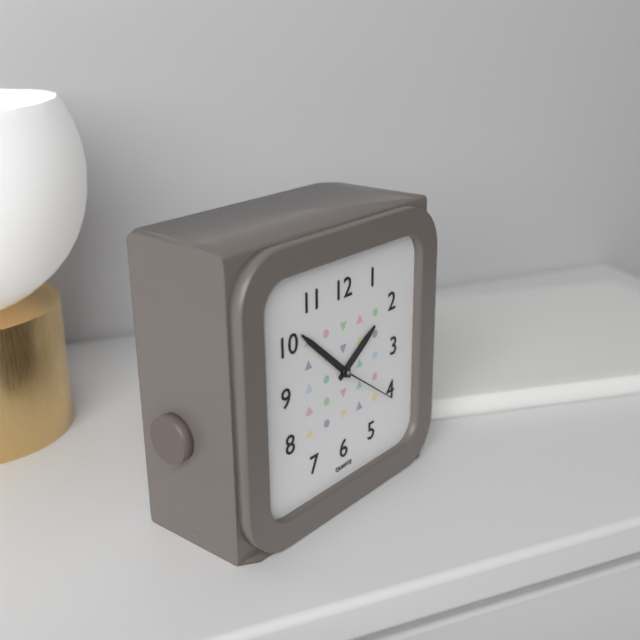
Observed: 1:52:21
